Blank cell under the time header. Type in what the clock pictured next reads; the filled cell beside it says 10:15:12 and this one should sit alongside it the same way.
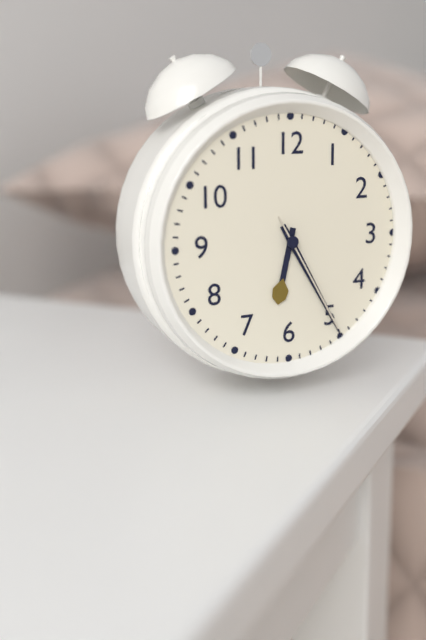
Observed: 6:25:25
